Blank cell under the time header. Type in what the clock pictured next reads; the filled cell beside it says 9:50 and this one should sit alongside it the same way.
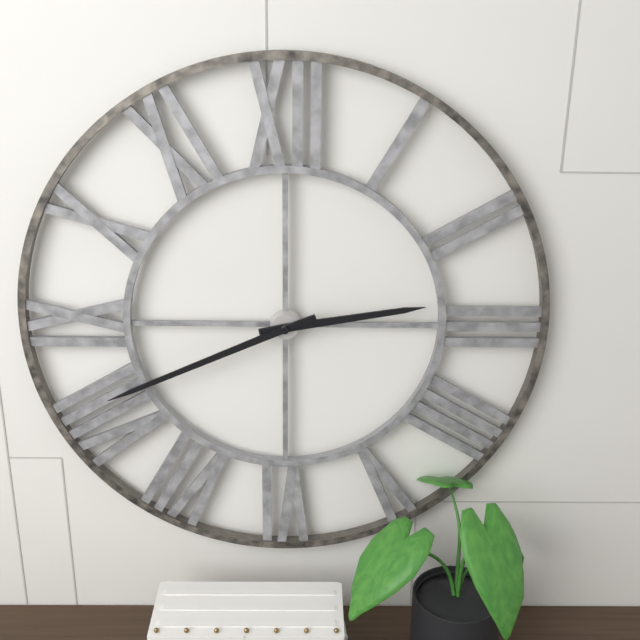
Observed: 2:41
